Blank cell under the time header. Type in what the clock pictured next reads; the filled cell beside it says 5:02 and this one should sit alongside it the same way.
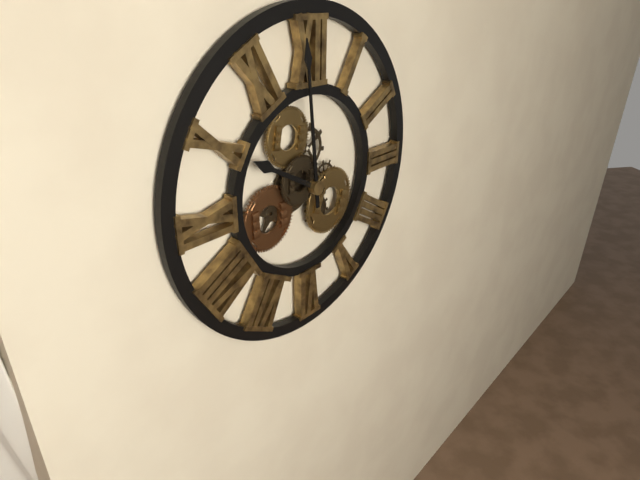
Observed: 9:59
